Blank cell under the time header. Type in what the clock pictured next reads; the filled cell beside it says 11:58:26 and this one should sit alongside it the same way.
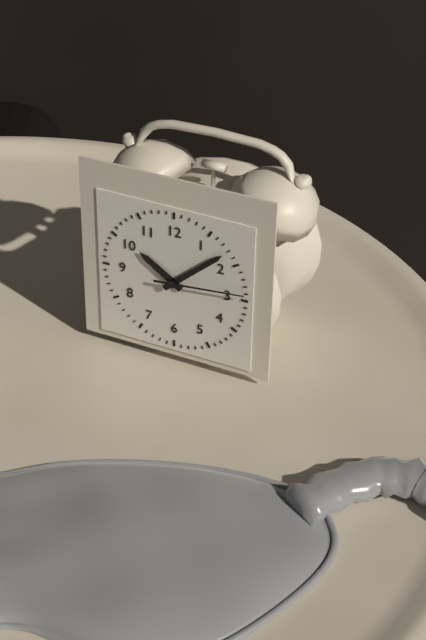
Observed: 10:08:14
